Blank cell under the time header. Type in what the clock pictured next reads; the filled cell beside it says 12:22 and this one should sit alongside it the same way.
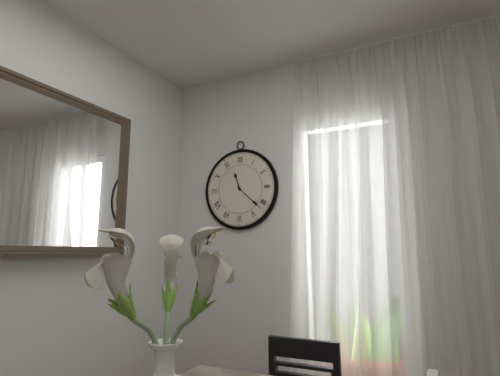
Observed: 11:22
